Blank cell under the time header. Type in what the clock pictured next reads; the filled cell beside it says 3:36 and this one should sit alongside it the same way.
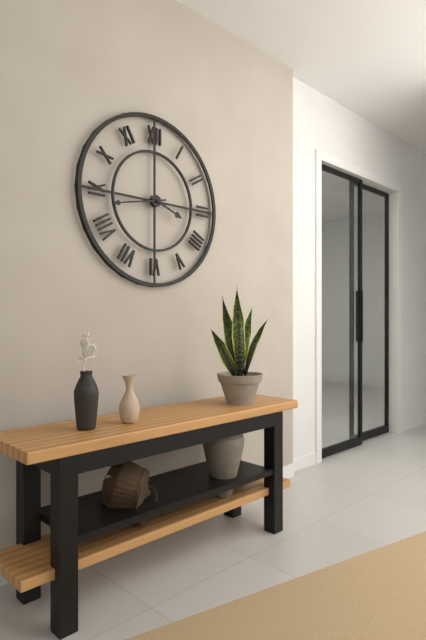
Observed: 3:43
